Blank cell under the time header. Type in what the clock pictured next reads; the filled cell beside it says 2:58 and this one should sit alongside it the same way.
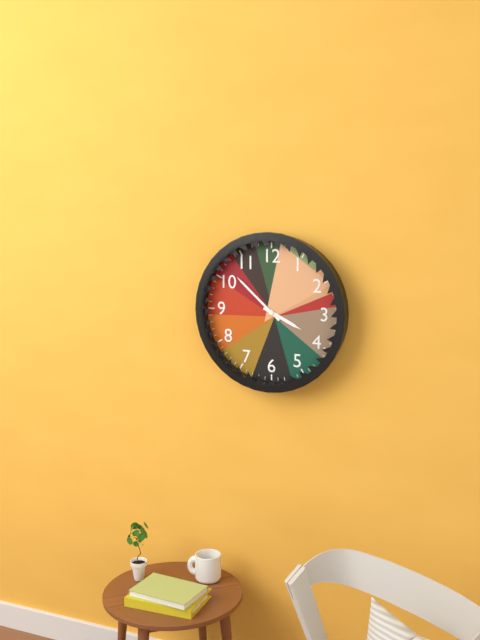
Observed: 3:52
